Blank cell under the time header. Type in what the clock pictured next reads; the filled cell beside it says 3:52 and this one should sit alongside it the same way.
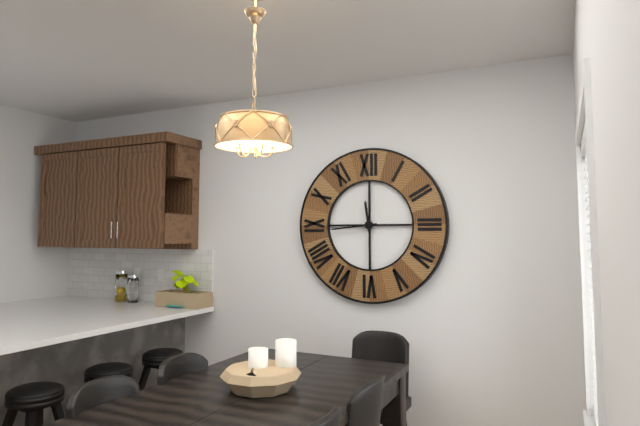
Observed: 11:44
